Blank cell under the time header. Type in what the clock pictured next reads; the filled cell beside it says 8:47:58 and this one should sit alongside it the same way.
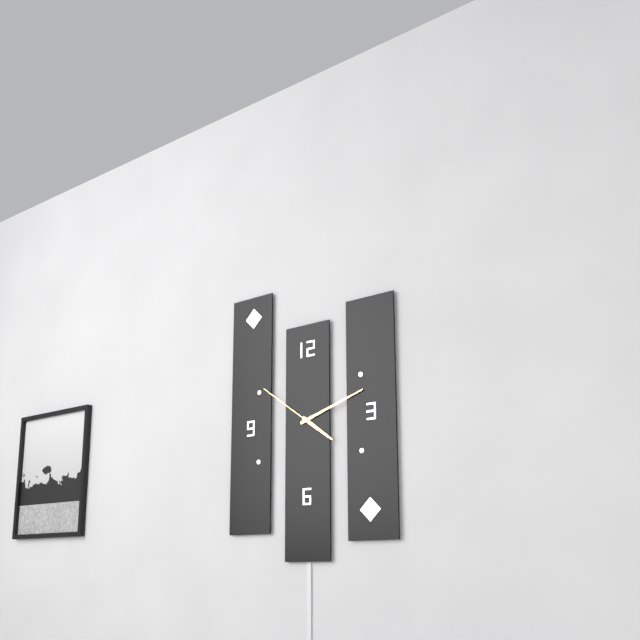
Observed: 4:12:51
